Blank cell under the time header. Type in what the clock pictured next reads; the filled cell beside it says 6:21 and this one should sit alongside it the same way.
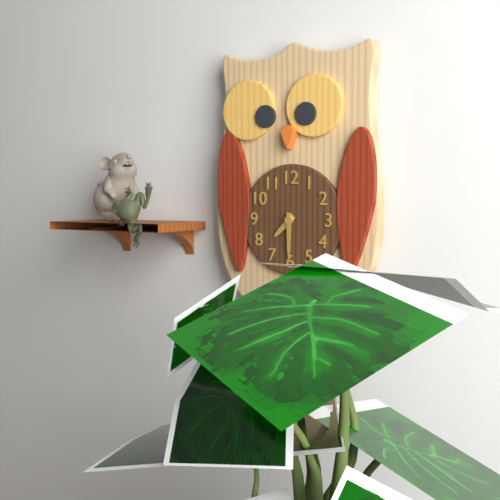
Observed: 7:30
